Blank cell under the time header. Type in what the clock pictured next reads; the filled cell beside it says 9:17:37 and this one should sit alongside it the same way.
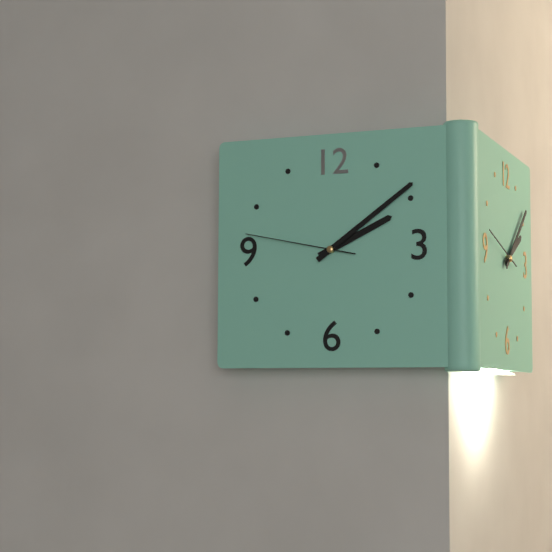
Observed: 2:09:47
